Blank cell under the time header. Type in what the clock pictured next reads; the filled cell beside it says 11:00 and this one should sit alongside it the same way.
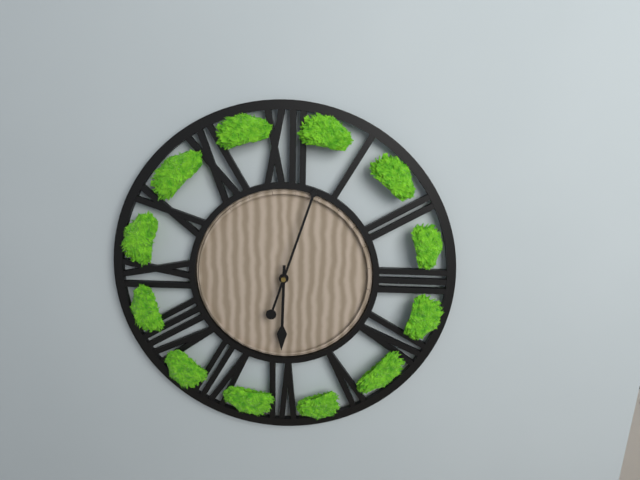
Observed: 6:03
